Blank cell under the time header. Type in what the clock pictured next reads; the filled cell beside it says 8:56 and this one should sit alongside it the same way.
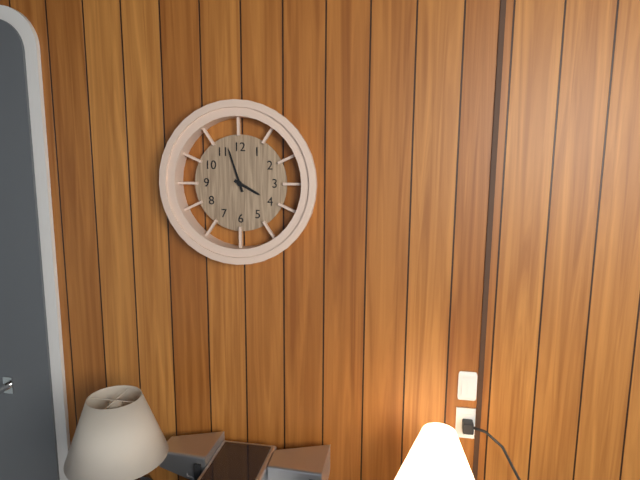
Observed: 3:57
